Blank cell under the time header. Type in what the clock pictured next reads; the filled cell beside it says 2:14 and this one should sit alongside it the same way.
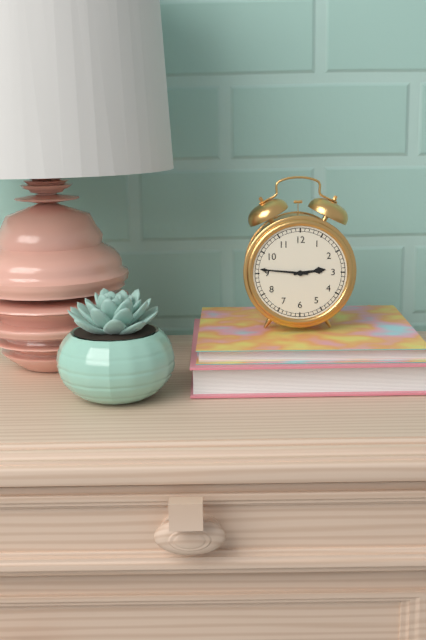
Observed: 2:46
